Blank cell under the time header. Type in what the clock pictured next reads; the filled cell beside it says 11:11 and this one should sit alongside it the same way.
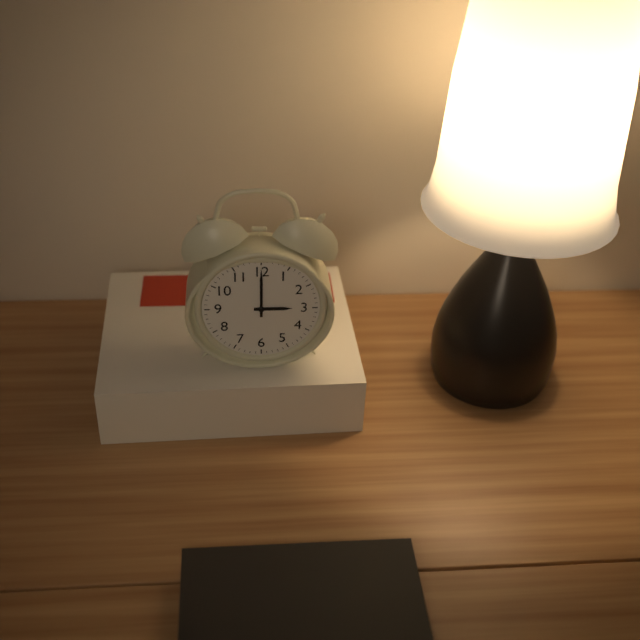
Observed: 3:00
